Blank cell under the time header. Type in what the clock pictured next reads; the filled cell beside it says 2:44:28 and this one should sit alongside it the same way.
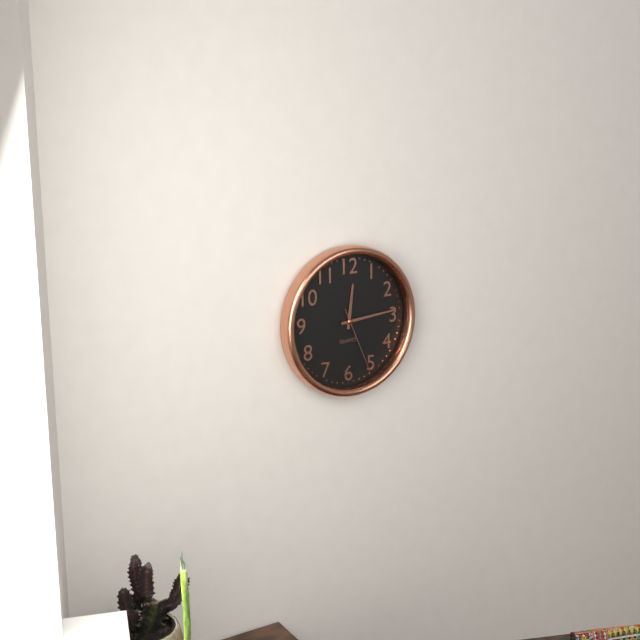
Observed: 12:14:26
